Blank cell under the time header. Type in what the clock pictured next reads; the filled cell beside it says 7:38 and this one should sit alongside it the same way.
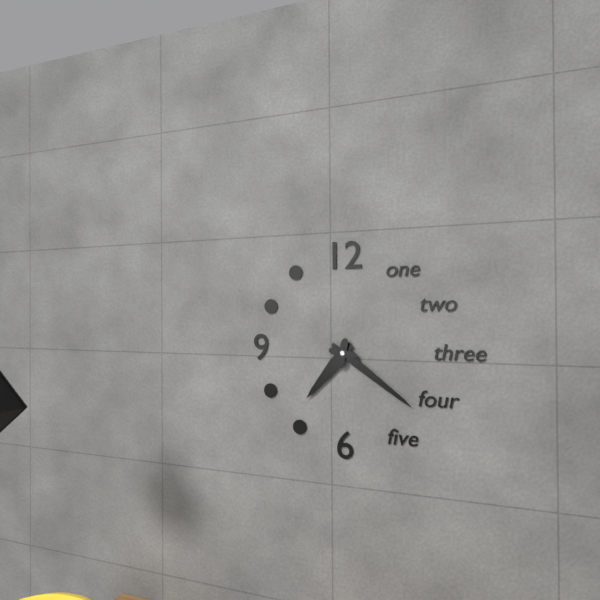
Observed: 7:21
